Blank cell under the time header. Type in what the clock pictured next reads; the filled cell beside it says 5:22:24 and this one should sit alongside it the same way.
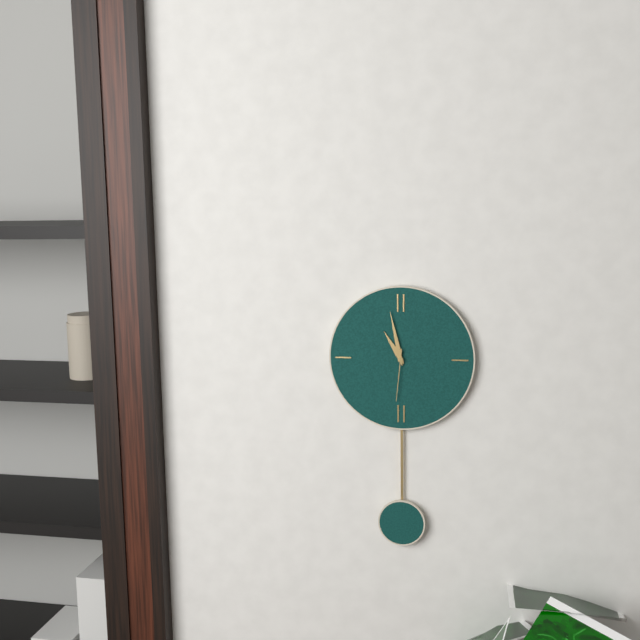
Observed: 10:58:31
